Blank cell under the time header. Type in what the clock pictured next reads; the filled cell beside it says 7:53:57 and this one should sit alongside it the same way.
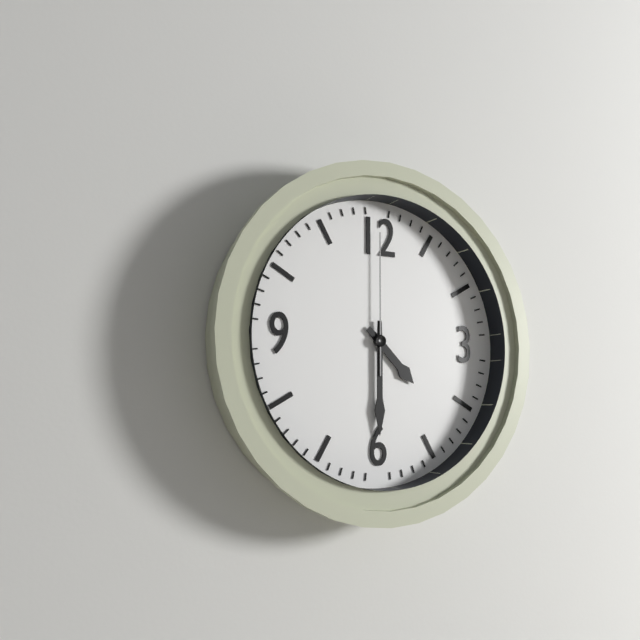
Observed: 4:30:00
